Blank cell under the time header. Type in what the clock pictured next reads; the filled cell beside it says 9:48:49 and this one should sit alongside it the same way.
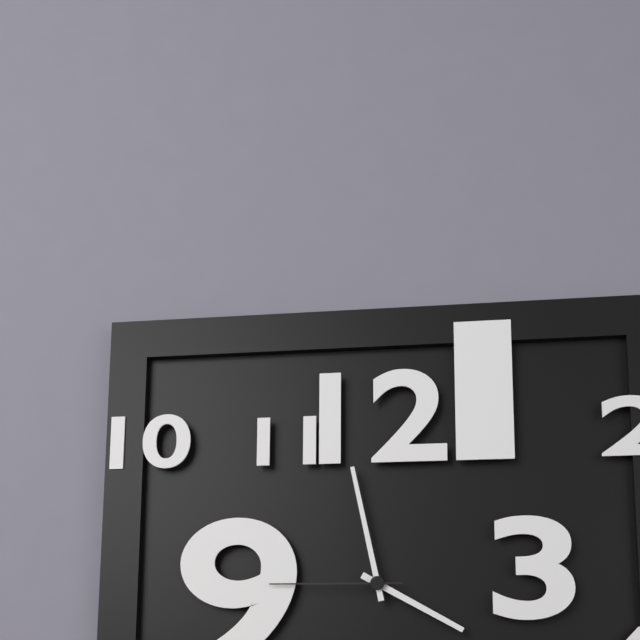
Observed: 3:58:45
